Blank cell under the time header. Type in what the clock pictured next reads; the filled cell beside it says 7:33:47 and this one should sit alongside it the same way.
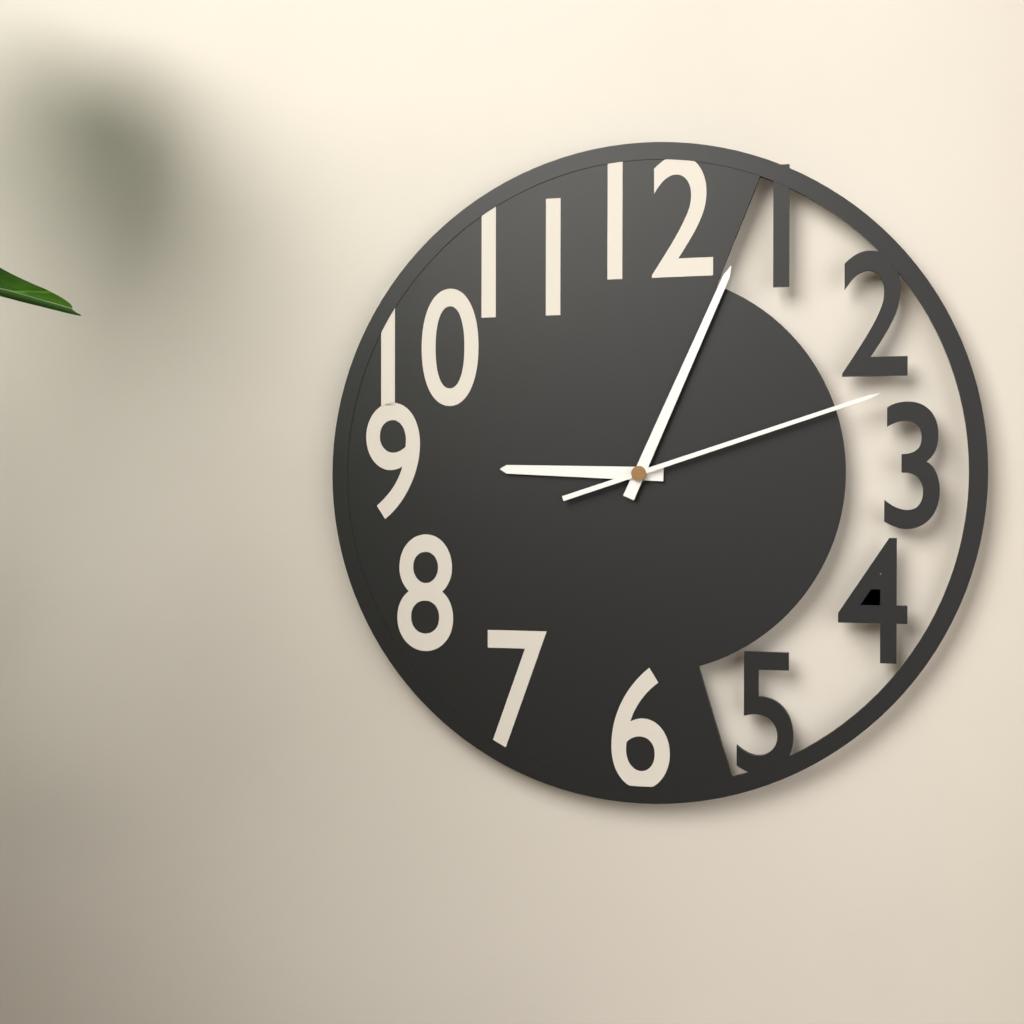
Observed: 9:04:12
